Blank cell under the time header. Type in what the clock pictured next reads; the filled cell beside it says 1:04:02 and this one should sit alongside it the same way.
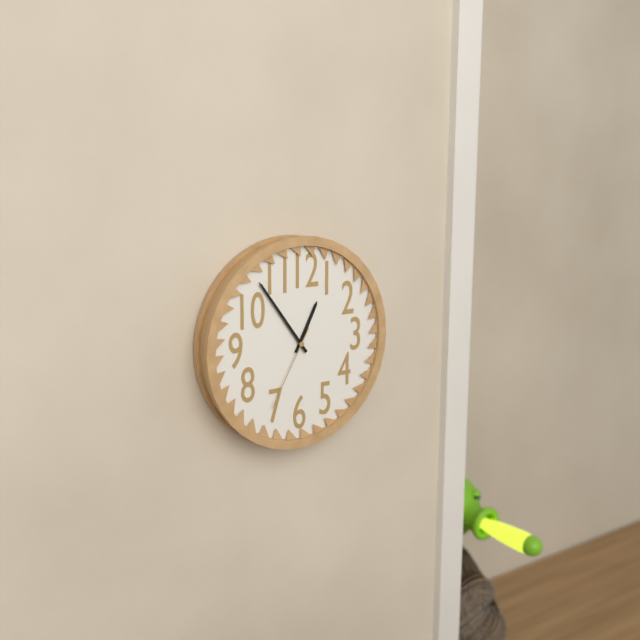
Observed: 12:54:35
